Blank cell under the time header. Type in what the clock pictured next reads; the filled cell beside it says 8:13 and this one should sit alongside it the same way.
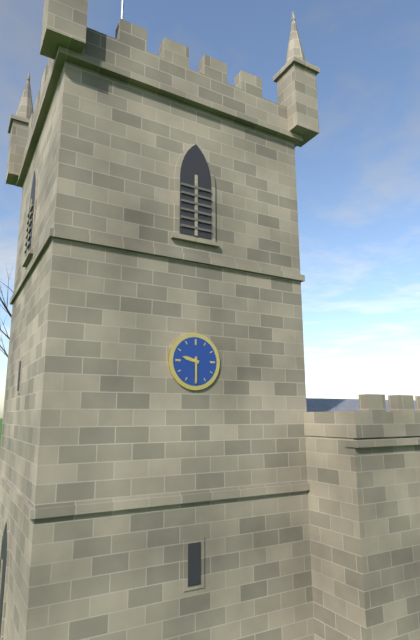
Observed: 9:30
